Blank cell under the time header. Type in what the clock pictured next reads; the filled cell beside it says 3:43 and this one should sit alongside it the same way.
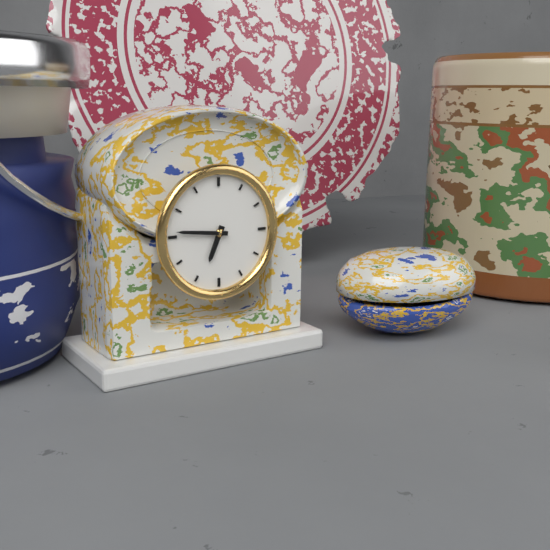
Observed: 6:46
